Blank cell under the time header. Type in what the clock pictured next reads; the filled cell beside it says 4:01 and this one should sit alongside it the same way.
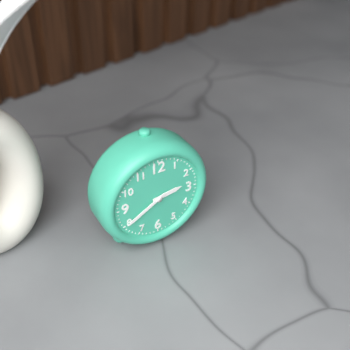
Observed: 2:40
